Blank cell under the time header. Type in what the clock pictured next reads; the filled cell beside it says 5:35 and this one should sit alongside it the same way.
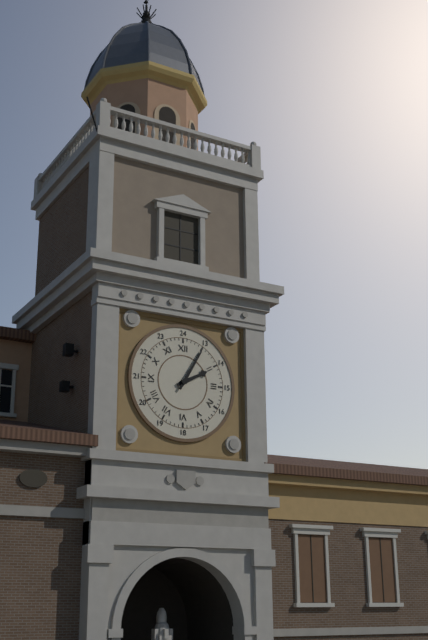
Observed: 2:05
